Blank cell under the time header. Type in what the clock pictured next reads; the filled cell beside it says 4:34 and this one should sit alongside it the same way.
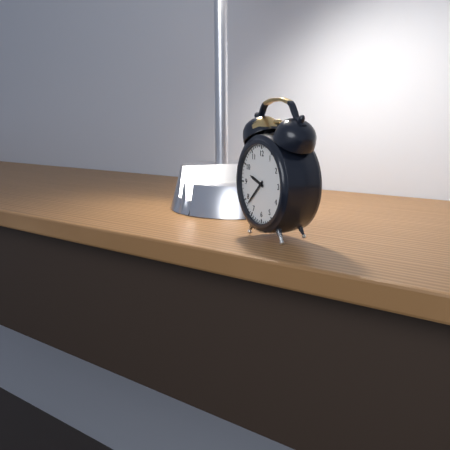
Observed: 9:38
